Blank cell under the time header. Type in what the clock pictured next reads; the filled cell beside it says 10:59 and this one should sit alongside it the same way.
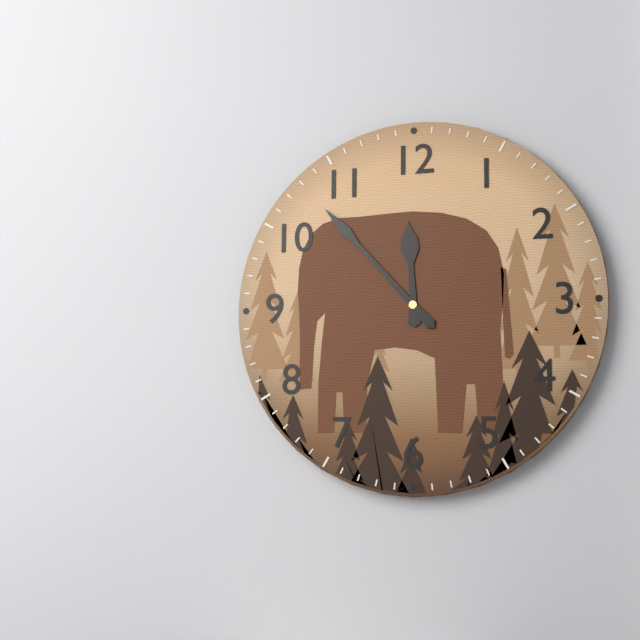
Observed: 11:53
